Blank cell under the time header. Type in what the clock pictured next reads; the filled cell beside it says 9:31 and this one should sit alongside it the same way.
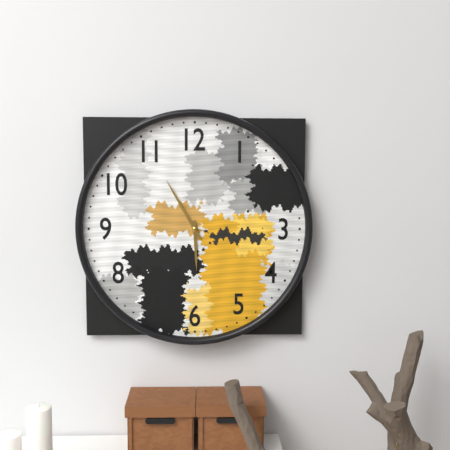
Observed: 5:55
